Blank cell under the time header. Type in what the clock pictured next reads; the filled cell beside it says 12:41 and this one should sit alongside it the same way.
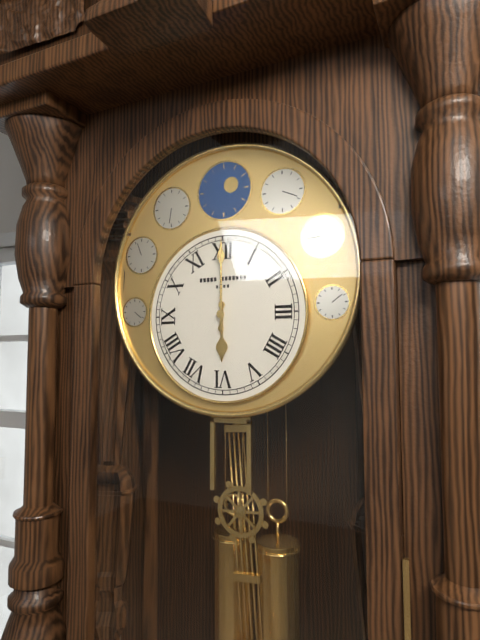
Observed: 6:00
